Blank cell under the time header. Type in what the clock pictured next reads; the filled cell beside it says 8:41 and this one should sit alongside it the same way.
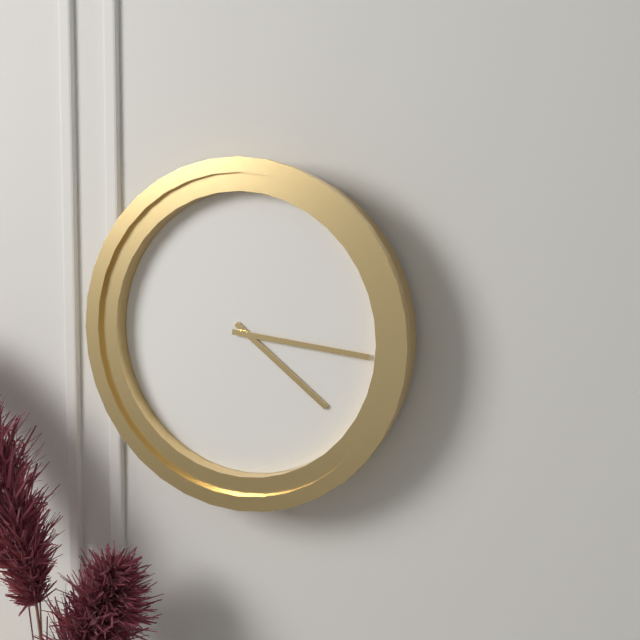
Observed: 4:16
